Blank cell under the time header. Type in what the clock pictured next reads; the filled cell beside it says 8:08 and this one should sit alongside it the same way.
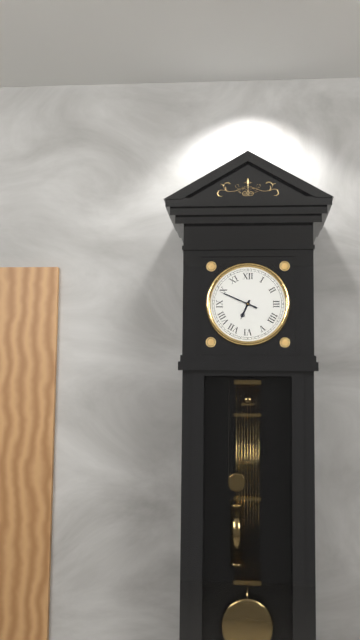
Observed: 6:49
